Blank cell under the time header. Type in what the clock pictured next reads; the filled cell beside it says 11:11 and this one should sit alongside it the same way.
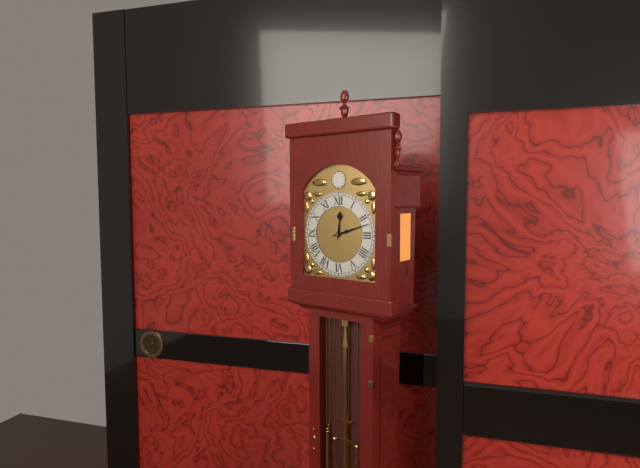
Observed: 12:12
